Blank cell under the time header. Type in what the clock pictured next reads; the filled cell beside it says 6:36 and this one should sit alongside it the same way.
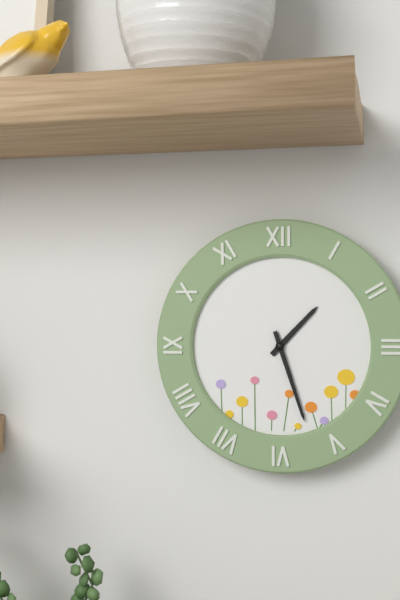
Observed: 1:27
